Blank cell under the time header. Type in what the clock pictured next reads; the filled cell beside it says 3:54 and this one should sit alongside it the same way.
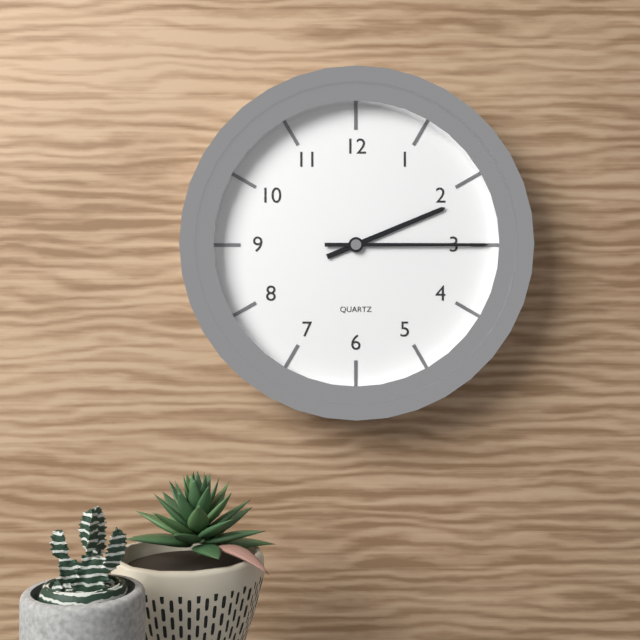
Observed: 2:15
